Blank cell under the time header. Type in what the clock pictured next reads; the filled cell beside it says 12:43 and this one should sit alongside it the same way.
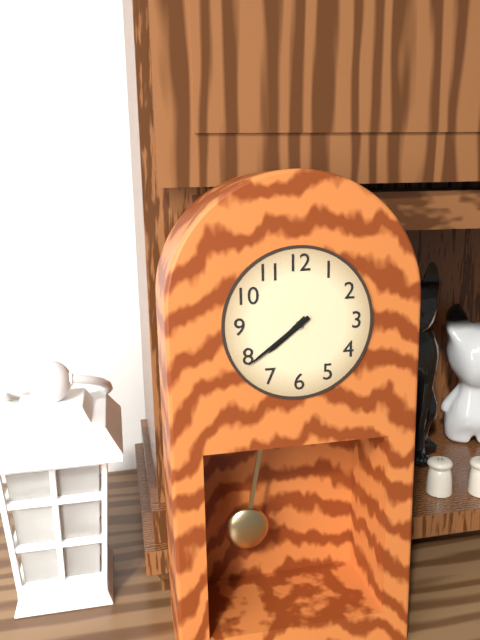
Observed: 7:39
